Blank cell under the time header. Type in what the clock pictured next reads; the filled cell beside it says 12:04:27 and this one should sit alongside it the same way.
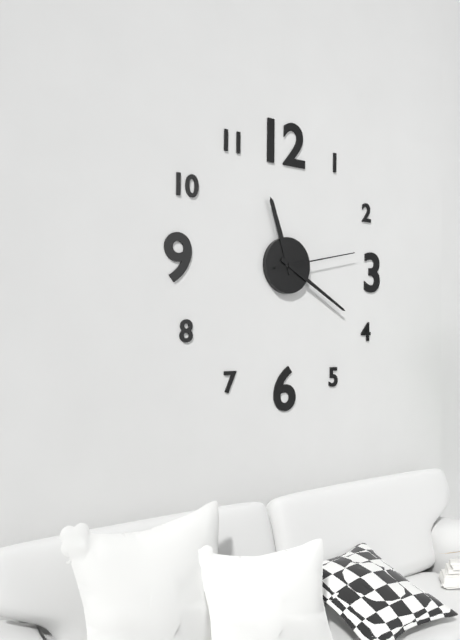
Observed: 11:20:13
